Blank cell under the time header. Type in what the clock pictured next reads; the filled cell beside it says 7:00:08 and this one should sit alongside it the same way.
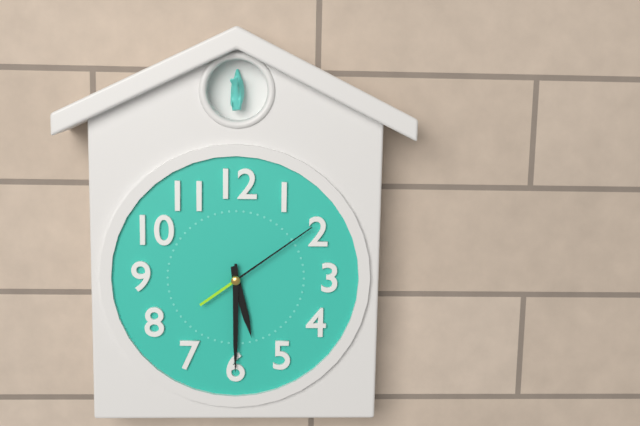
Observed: 5:30:09
